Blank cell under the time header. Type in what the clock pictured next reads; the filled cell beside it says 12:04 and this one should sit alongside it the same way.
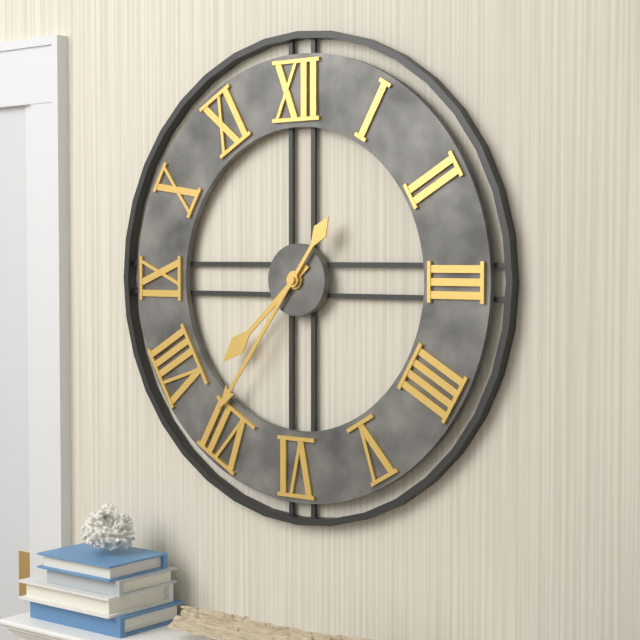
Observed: 7:36
